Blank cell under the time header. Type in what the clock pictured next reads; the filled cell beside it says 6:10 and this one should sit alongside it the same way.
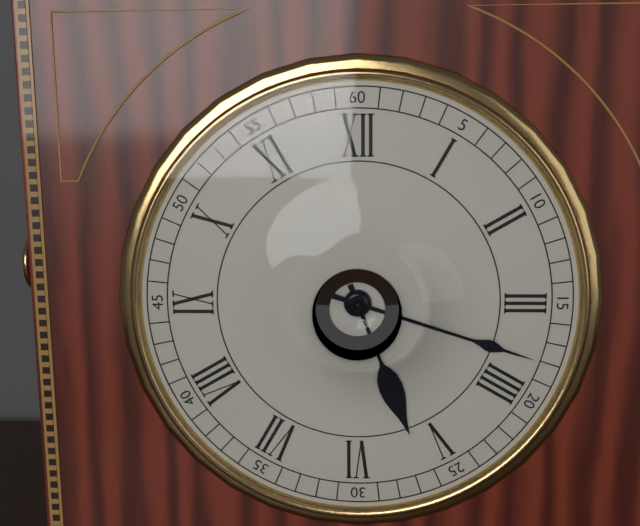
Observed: 5:18
